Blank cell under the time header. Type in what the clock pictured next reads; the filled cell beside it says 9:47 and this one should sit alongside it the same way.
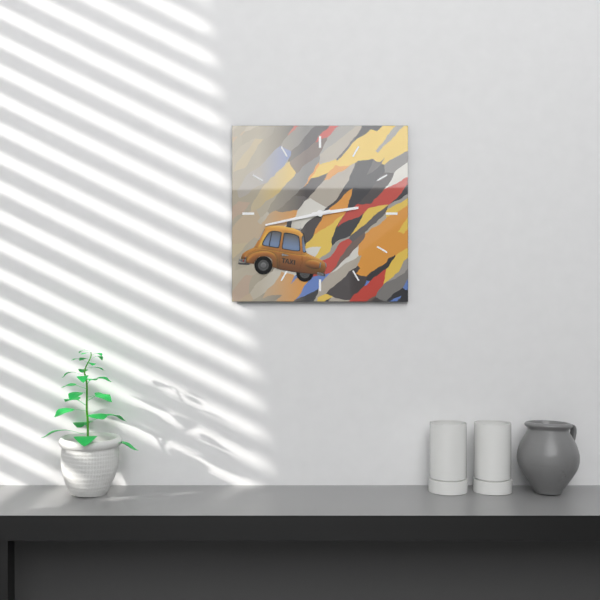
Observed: 2:43
